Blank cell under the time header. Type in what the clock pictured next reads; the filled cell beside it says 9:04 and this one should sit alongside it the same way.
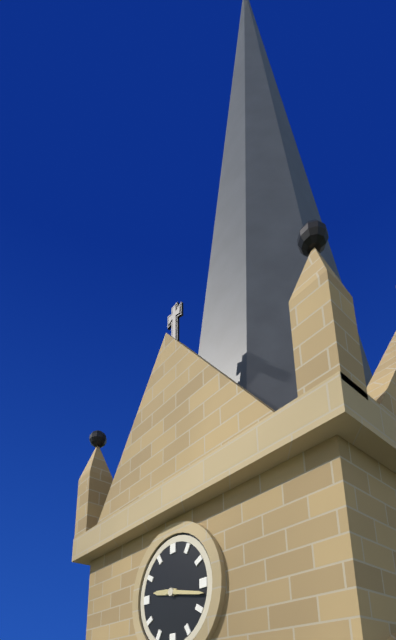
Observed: 9:17
